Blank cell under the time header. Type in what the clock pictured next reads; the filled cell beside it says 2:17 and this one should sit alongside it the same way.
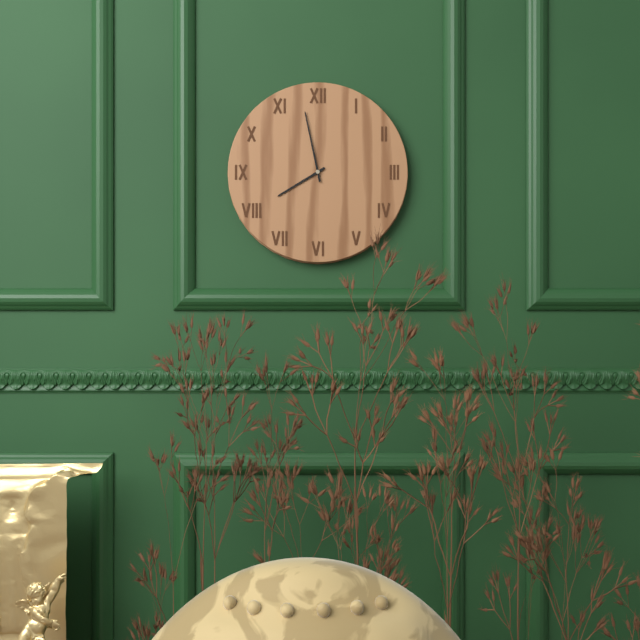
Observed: 7:58
